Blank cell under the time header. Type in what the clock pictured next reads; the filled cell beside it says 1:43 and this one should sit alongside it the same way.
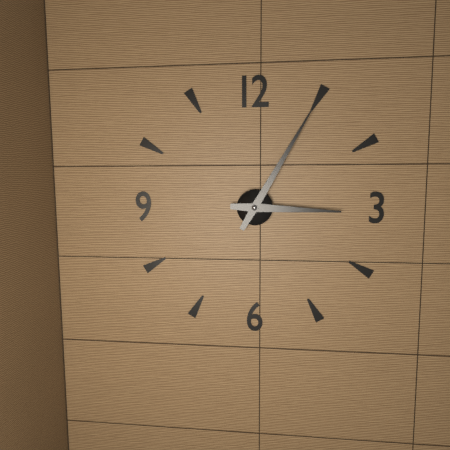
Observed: 3:05
